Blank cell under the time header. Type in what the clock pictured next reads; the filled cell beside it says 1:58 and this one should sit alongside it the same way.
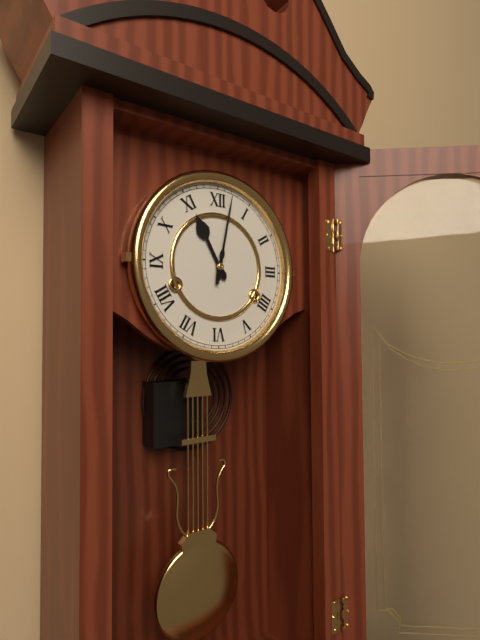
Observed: 11:02
